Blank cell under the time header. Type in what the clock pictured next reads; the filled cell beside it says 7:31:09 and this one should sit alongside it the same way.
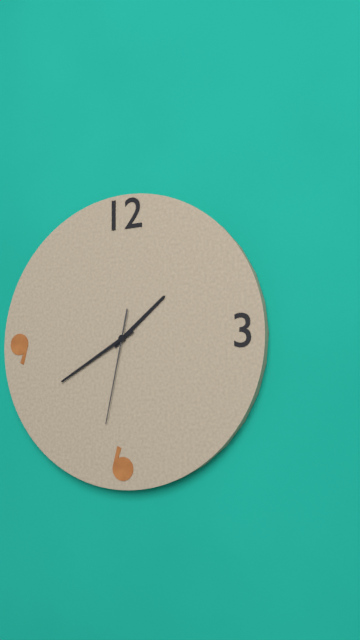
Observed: 1:40:32
